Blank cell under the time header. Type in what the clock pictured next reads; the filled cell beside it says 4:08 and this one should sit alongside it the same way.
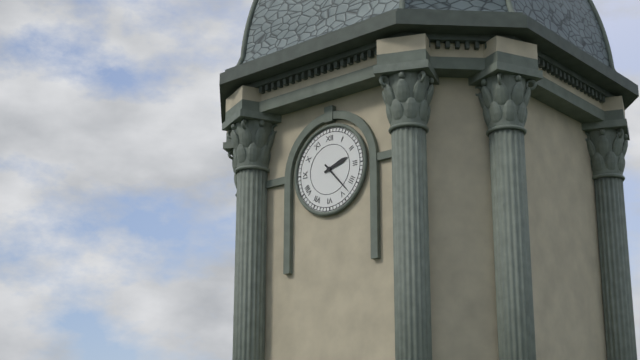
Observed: 2:23
